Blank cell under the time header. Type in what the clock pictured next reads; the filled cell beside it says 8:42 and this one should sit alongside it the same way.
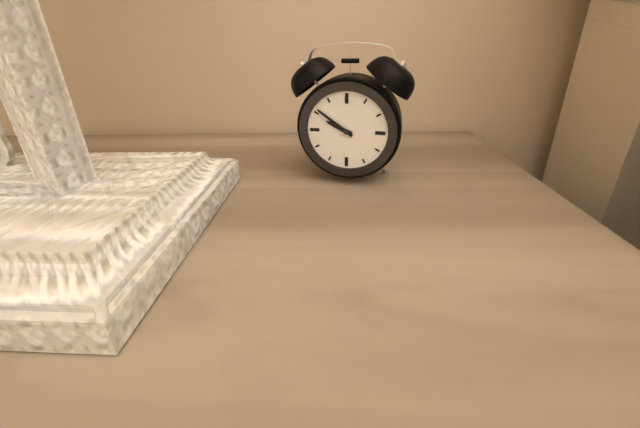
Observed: 9:51
